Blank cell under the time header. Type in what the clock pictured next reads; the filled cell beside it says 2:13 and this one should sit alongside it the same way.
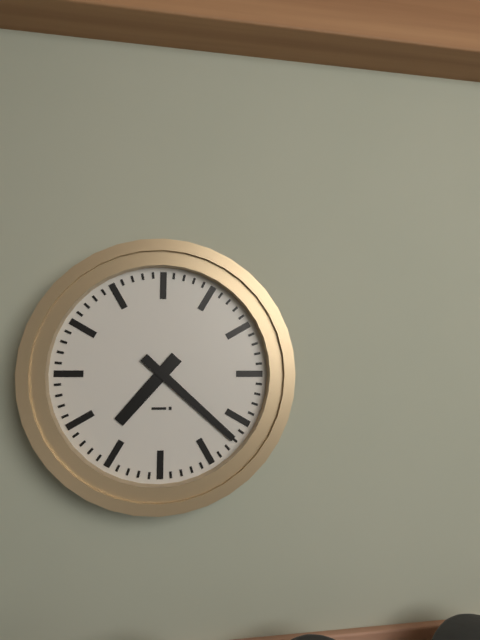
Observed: 7:22
